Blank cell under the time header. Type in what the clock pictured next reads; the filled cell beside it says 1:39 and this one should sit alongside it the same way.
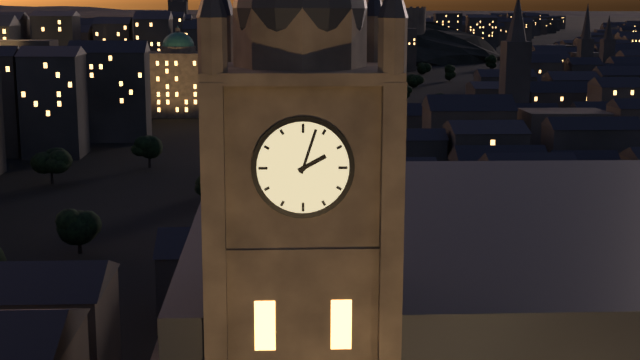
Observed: 2:03
